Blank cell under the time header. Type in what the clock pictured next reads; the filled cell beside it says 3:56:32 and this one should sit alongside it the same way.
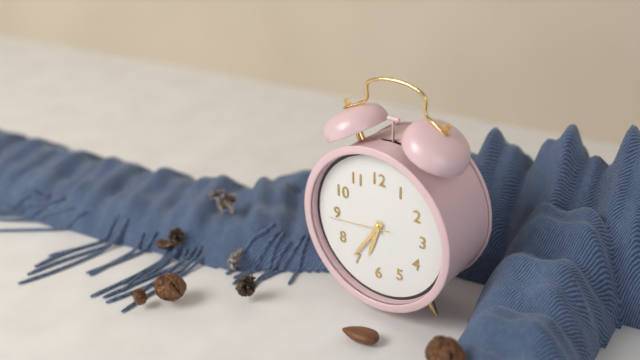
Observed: 6:36:44
